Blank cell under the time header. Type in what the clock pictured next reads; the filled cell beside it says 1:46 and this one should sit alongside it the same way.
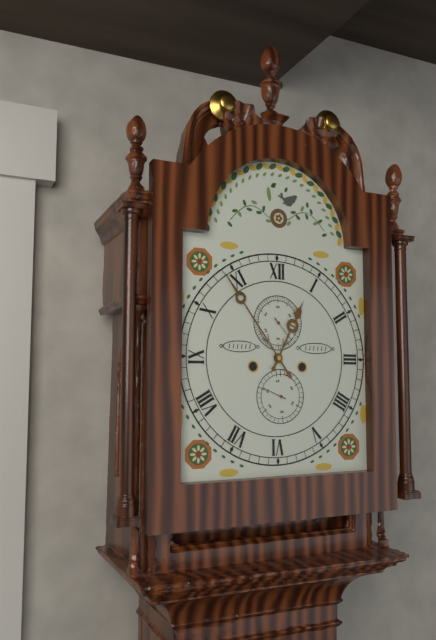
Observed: 12:54
